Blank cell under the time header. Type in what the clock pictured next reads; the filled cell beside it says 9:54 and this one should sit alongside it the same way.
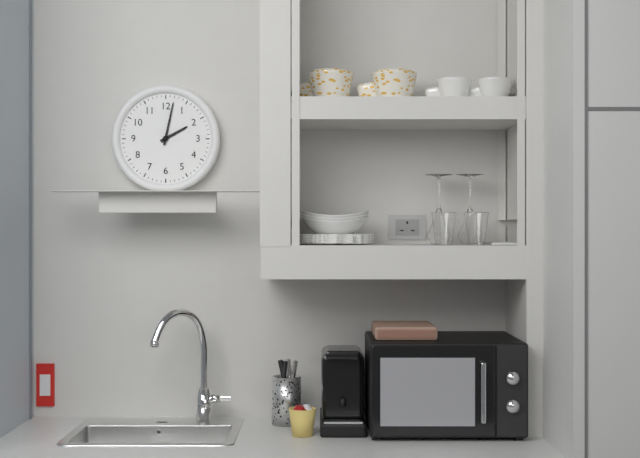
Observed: 2:02
